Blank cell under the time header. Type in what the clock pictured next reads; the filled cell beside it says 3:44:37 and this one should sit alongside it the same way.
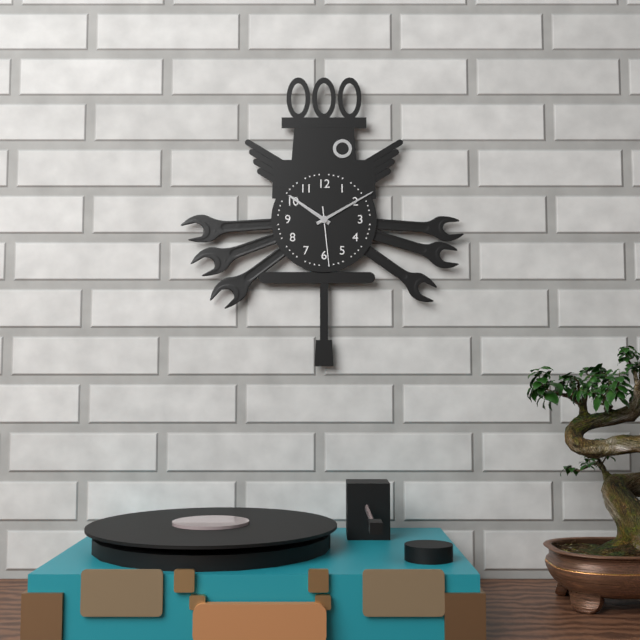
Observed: 10:10:29
